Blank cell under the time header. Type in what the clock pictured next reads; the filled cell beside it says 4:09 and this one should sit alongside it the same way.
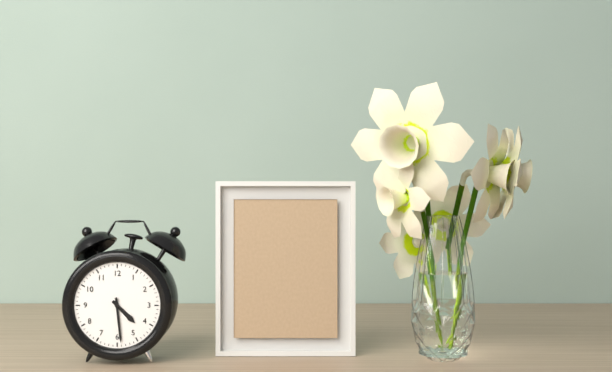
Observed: 4:29
